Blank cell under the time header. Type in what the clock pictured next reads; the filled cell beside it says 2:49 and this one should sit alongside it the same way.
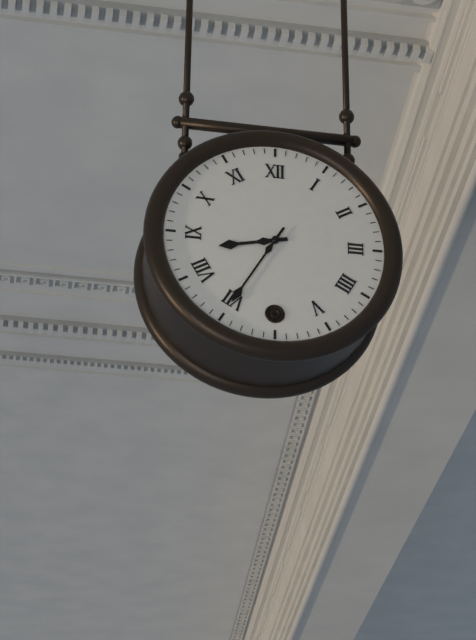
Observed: 8:35
